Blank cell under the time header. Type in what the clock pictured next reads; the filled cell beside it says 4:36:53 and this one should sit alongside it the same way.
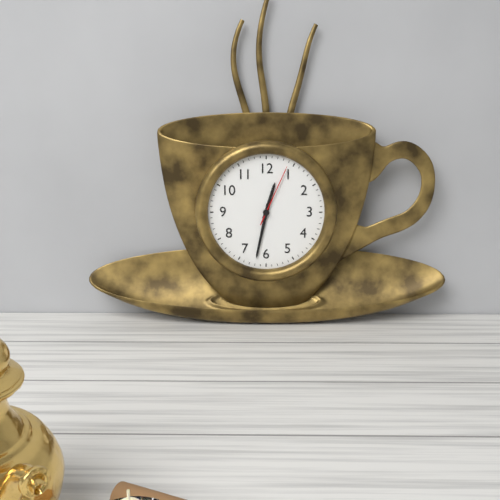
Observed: 12:32:04
